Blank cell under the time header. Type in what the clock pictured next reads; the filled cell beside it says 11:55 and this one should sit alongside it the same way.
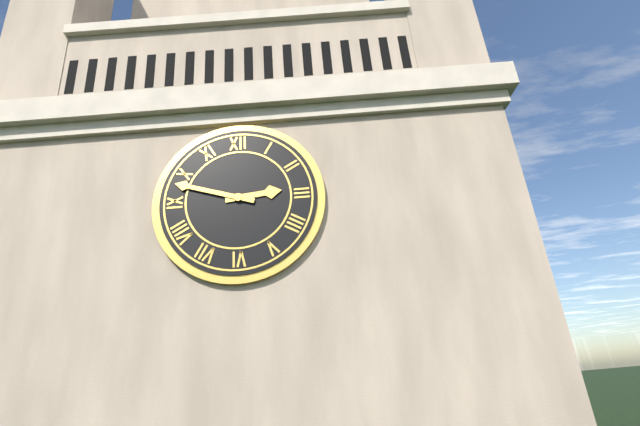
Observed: 2:48
